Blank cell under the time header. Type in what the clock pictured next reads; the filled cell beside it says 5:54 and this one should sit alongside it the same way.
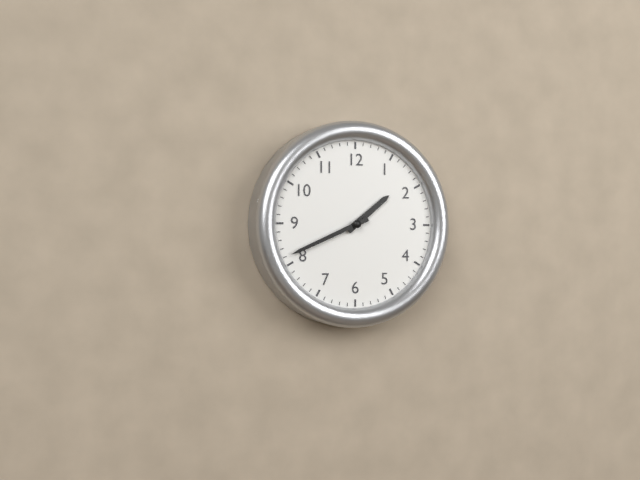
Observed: 1:41
